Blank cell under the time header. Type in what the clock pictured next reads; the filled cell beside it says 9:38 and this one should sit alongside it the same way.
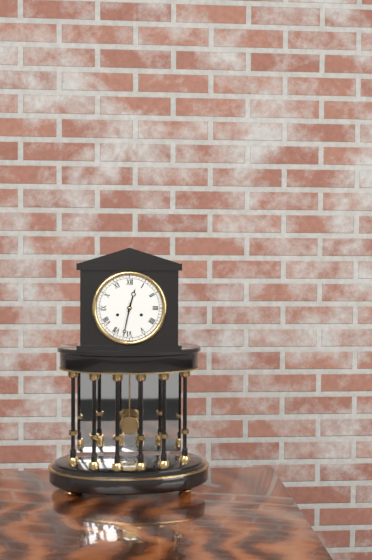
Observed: 12:32
